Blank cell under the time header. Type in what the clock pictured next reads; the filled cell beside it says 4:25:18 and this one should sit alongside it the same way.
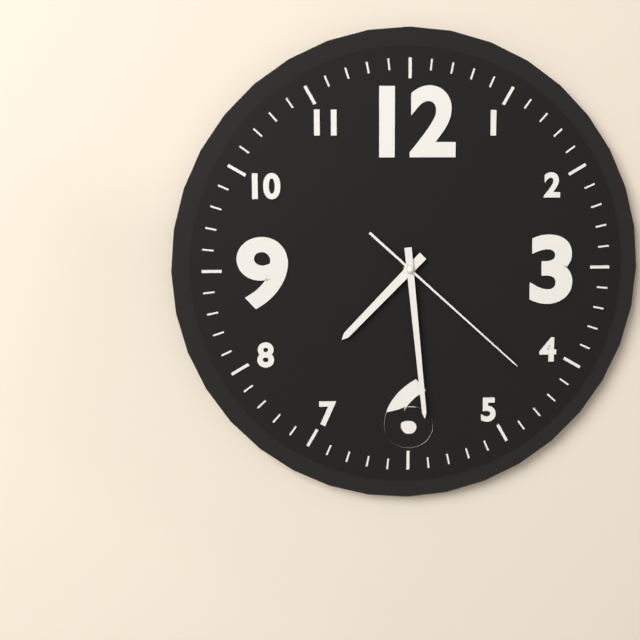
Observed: 7:29:22
